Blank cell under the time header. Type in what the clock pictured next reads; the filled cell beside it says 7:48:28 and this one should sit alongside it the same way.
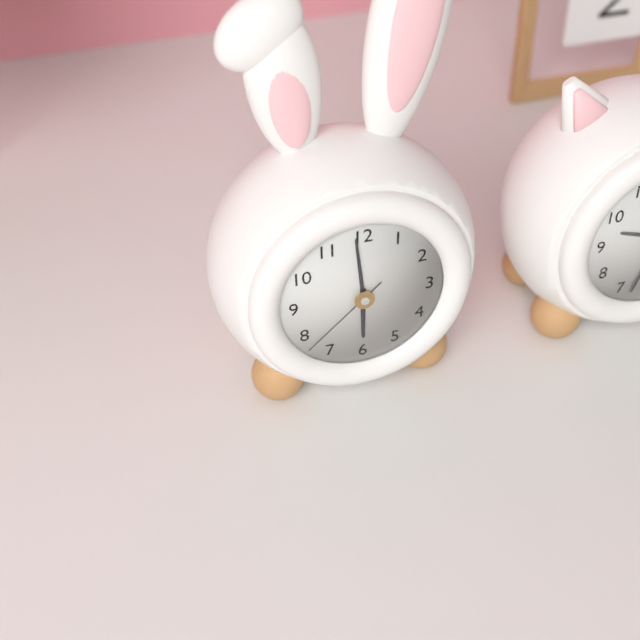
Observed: 5:59:38
